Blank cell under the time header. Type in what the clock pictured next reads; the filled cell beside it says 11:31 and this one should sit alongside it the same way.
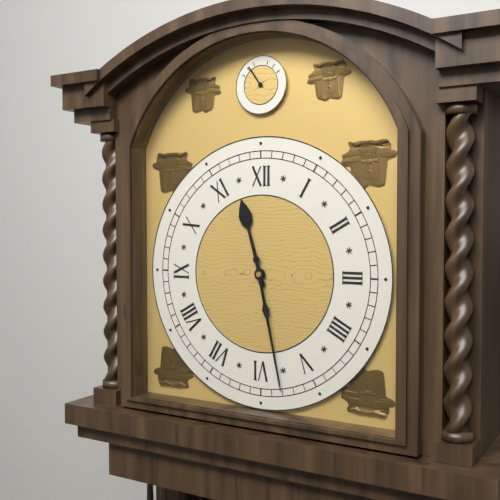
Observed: 11:28
